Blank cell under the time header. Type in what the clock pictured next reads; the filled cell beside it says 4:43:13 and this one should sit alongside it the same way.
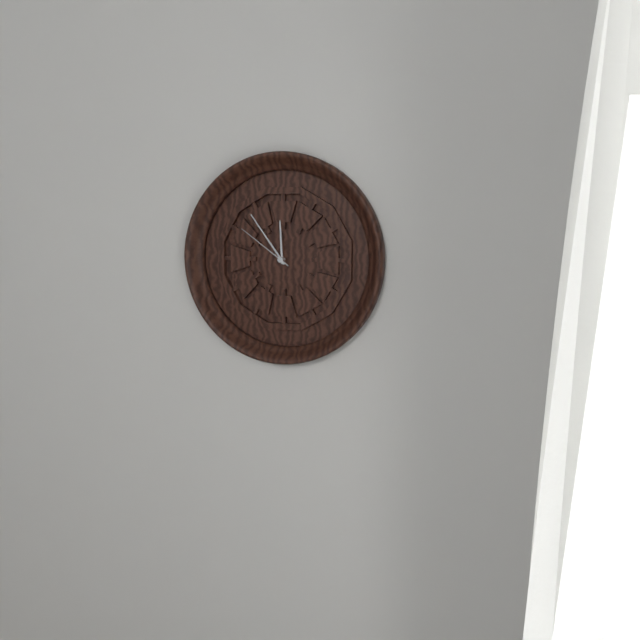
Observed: 11:54:51
